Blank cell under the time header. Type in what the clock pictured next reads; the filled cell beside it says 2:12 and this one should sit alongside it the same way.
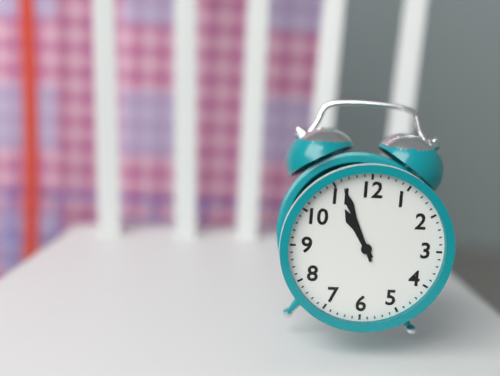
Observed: 10:56
